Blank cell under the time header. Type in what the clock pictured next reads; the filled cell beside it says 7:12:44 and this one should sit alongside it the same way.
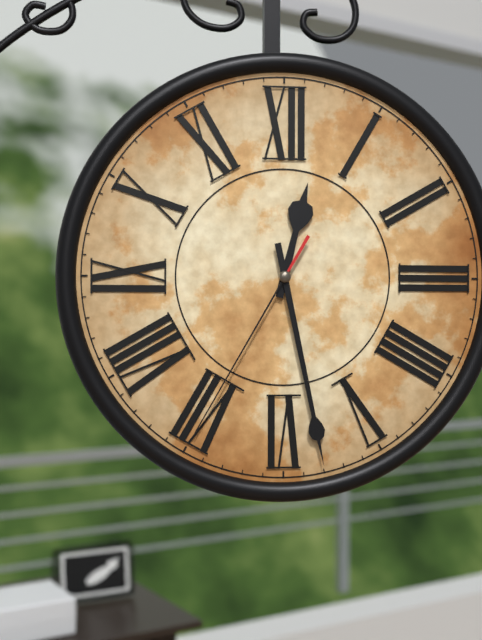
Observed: 12:28:35
